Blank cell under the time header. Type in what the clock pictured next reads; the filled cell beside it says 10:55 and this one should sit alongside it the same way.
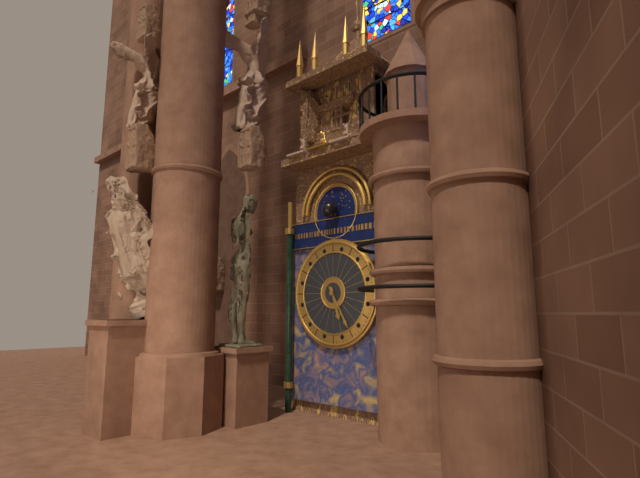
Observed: 5:25
